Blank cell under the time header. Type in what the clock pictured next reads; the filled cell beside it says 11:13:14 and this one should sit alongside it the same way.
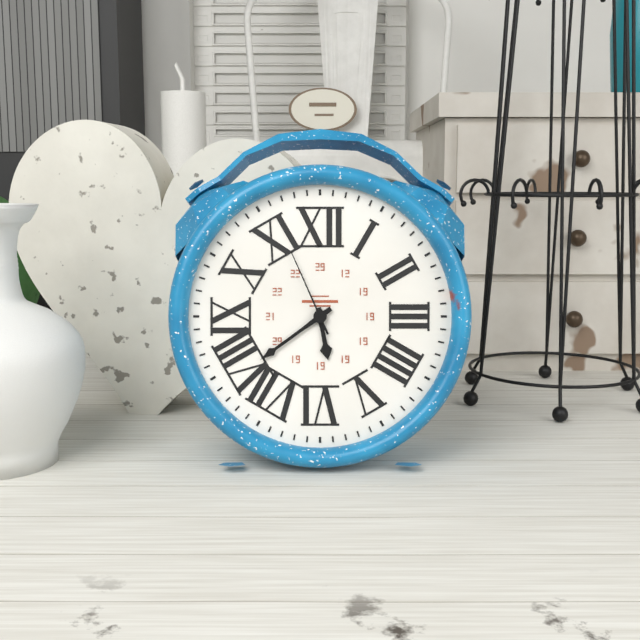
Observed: 5:39:56
